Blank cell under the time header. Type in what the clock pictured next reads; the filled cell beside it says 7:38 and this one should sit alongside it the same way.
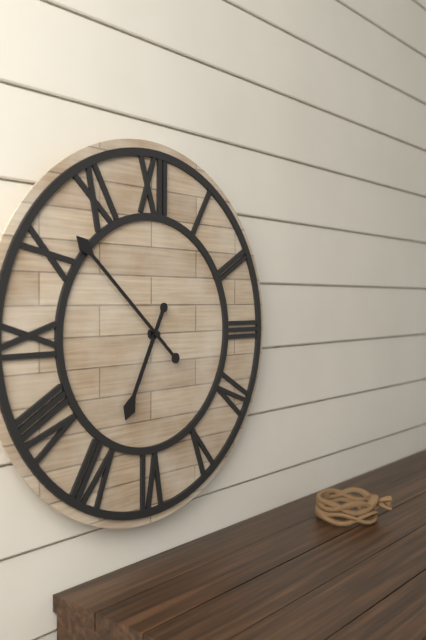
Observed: 6:52
